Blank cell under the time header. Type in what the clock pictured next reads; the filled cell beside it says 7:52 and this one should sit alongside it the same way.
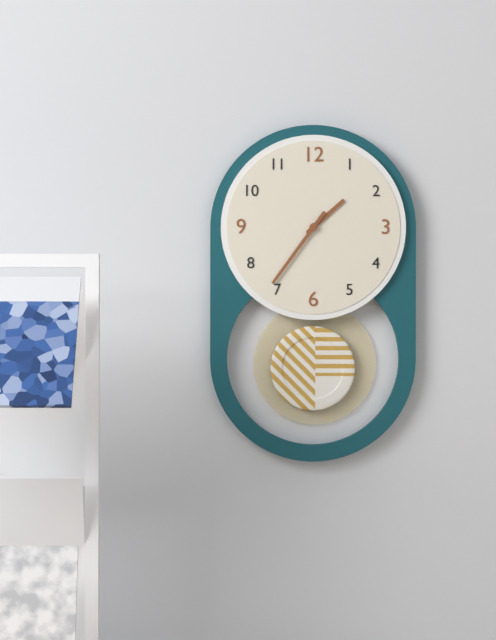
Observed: 1:36
